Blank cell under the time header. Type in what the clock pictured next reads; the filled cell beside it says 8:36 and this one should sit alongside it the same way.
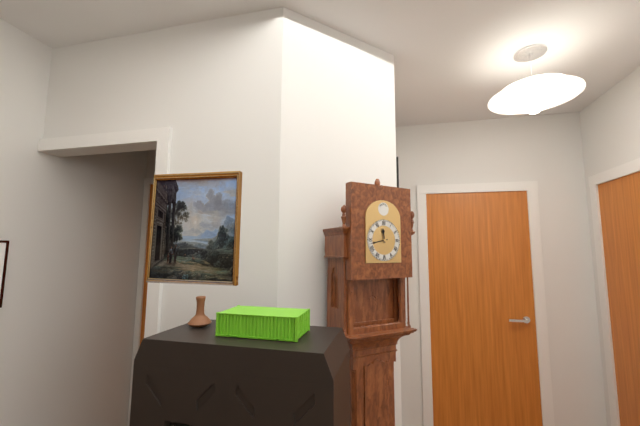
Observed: 11:43
